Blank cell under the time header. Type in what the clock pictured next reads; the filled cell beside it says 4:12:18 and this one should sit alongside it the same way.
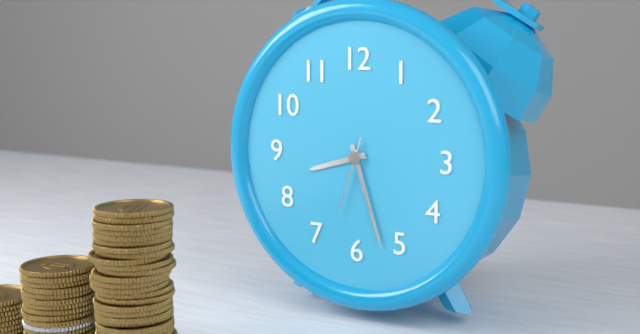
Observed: 8:27:33
